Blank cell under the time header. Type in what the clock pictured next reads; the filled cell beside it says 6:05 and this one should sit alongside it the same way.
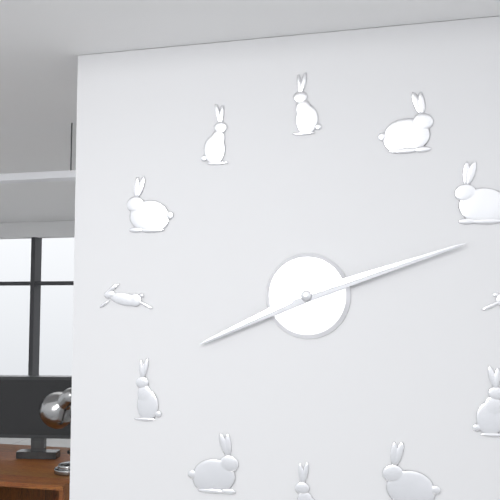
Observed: 8:12
